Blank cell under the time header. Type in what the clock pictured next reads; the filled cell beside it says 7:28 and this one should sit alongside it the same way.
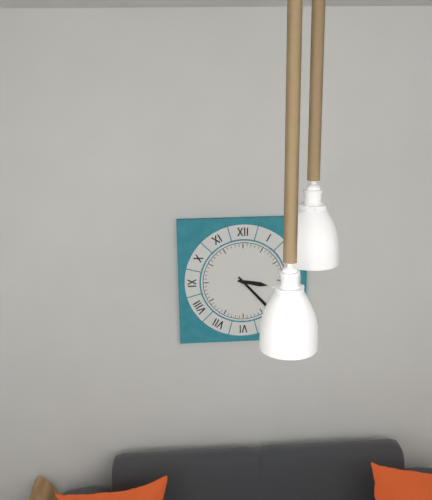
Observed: 3:23
